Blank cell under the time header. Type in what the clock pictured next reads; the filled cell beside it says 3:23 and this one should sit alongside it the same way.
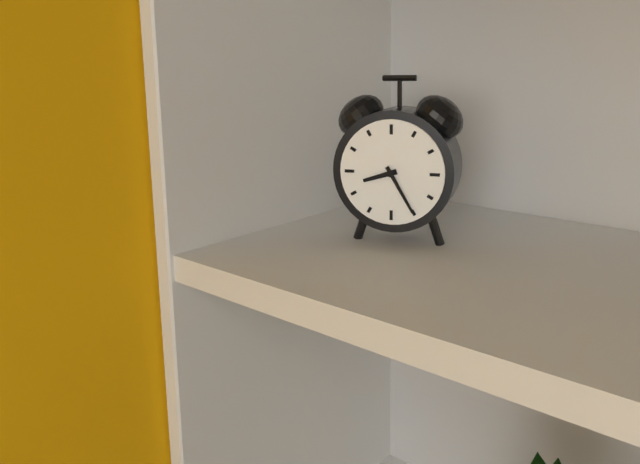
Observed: 8:25
